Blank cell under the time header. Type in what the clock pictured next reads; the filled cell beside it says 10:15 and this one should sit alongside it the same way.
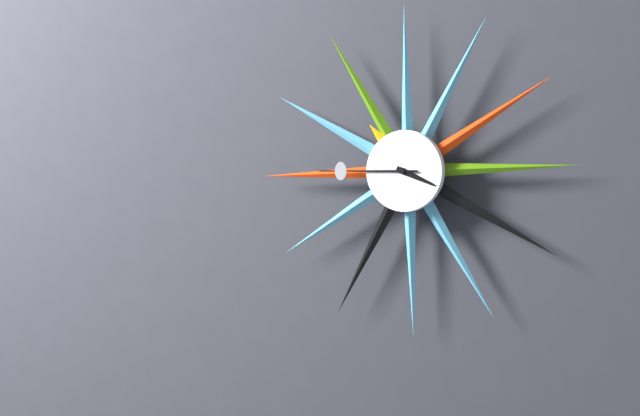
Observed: 3:45
